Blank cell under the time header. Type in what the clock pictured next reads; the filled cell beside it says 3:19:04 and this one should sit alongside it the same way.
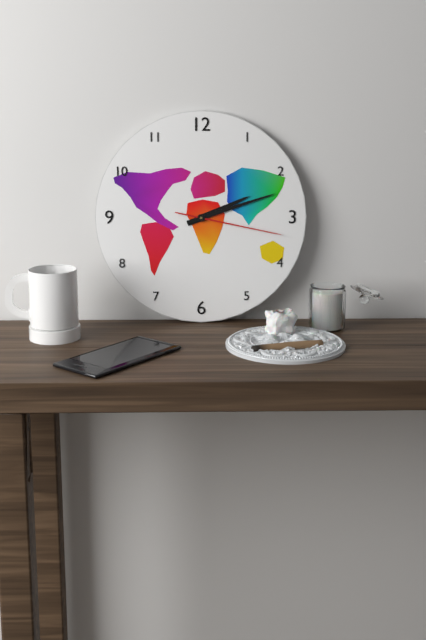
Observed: 2:12:17
